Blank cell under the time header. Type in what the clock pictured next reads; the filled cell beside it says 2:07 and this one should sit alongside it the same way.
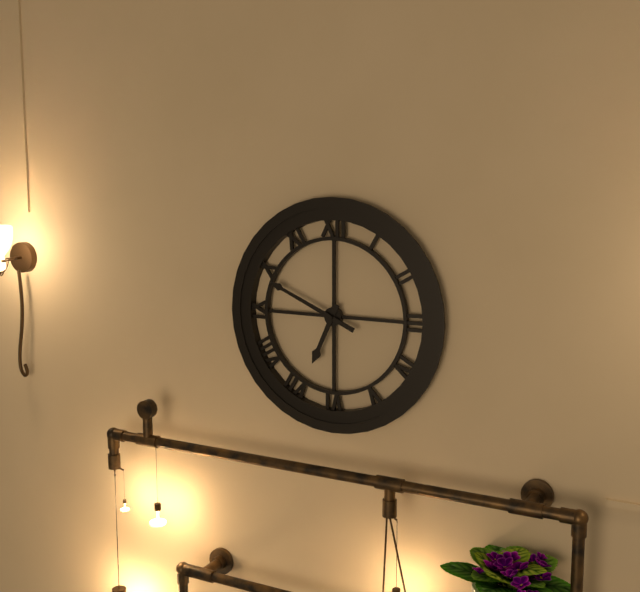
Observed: 6:49
